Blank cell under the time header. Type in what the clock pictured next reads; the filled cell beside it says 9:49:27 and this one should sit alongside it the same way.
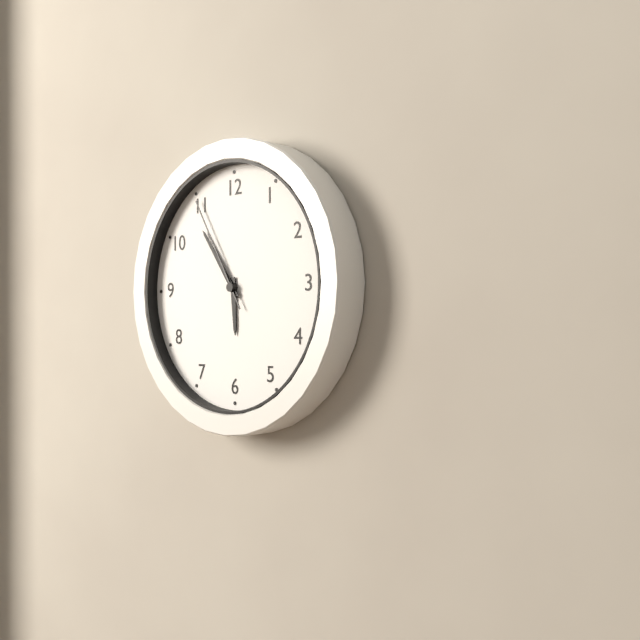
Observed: 5:54:55
